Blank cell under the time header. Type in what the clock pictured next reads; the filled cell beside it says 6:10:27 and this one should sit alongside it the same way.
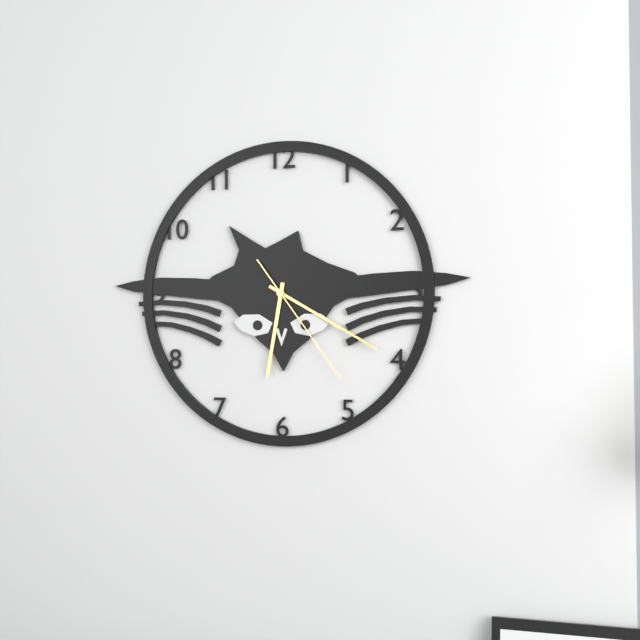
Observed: 6:20:24
